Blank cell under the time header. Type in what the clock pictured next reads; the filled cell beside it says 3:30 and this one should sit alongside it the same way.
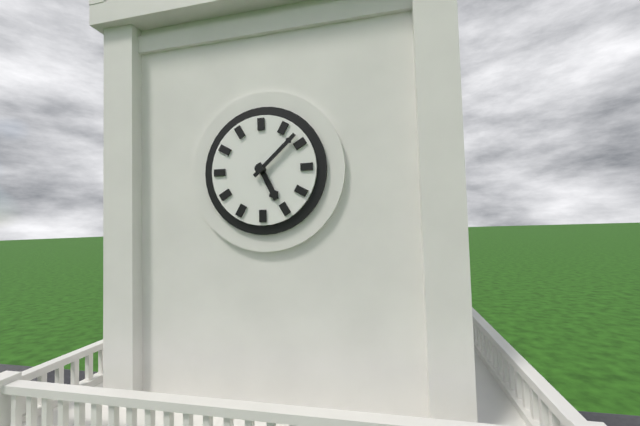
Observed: 5:08
